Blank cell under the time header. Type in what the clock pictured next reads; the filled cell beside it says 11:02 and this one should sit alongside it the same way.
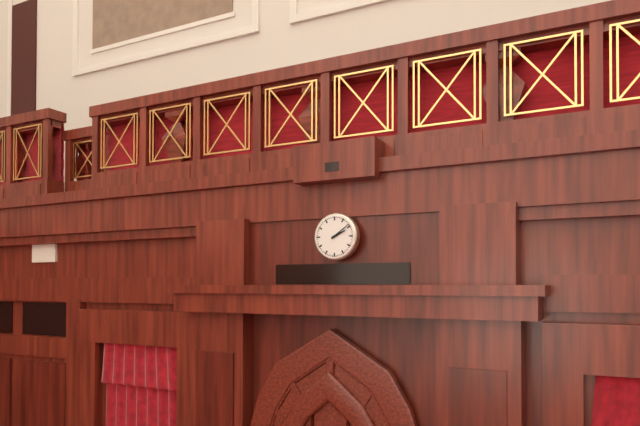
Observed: 2:09
